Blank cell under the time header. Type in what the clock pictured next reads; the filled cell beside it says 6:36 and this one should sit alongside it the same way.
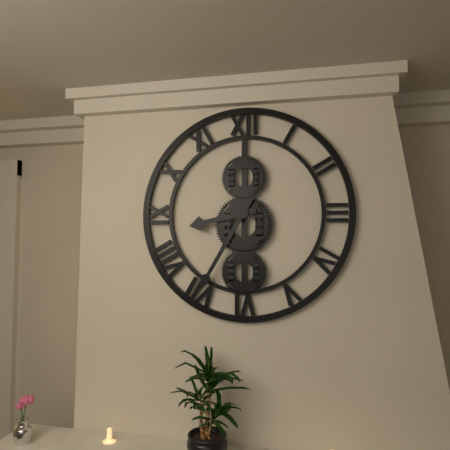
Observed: 8:35
